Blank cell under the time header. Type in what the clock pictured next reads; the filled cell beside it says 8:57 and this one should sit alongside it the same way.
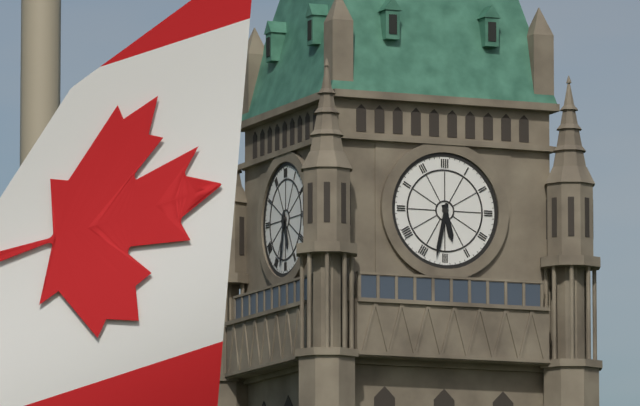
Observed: 5:32
